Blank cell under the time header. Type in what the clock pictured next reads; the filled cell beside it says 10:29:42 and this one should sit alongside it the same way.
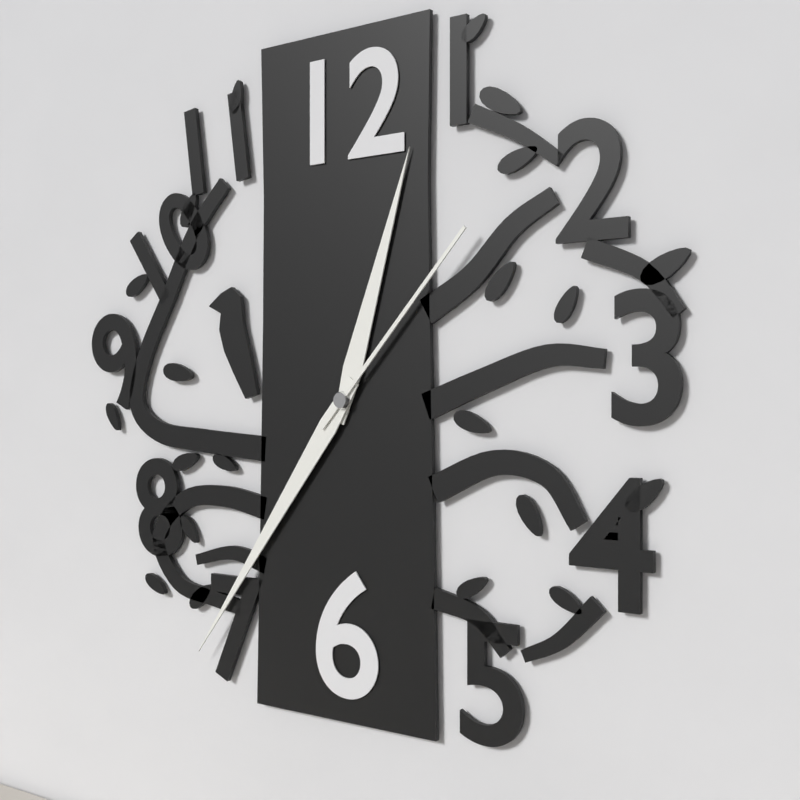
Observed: 12:36:07
